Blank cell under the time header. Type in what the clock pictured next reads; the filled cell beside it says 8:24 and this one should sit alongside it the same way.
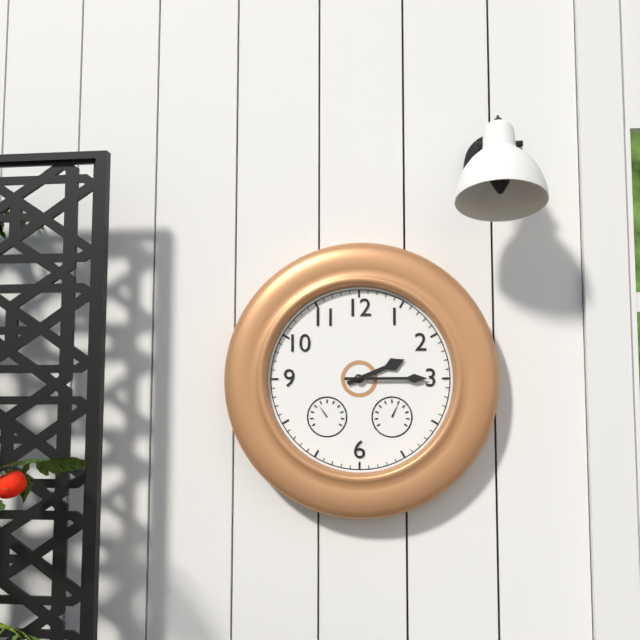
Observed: 2:15
